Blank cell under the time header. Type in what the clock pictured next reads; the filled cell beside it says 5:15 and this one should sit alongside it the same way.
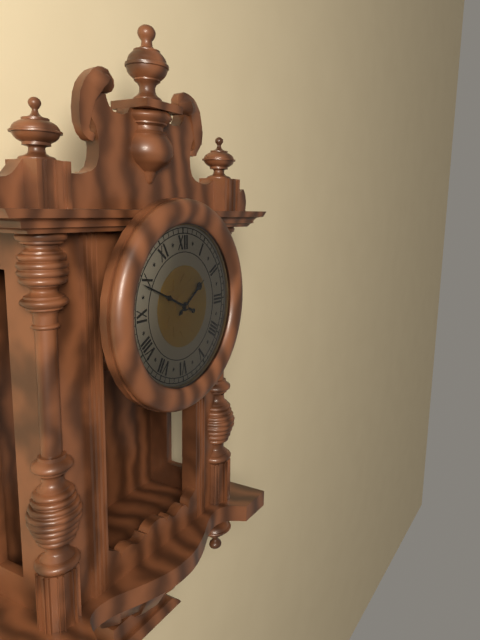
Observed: 1:49
